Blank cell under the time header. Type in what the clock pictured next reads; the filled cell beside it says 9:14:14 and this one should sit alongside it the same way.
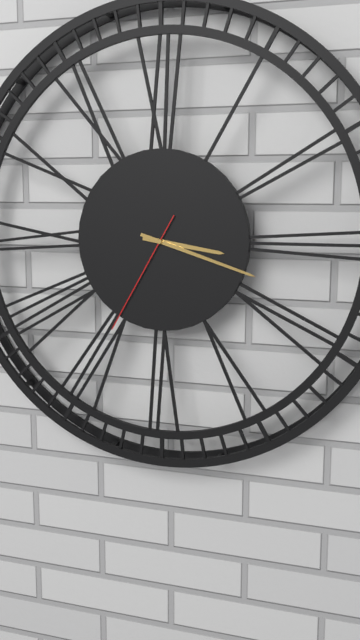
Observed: 3:18:35
